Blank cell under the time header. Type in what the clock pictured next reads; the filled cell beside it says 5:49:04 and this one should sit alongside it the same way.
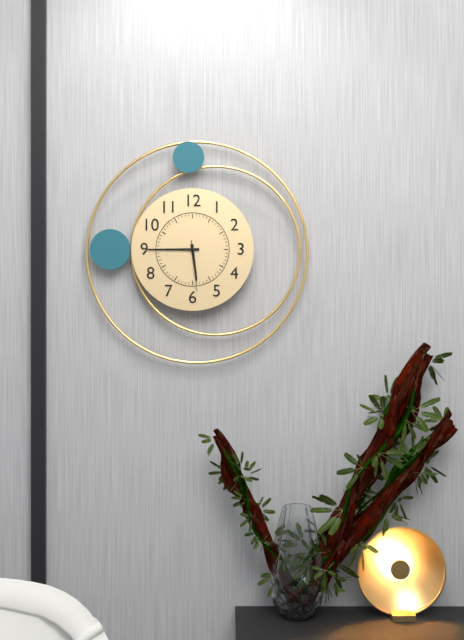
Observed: 5:45:29
